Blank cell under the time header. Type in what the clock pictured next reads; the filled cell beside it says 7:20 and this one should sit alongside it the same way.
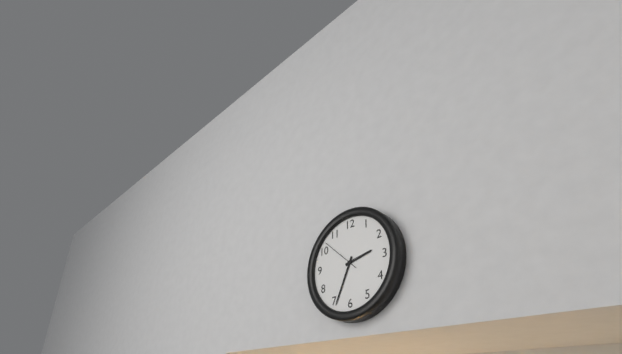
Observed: 2:34
